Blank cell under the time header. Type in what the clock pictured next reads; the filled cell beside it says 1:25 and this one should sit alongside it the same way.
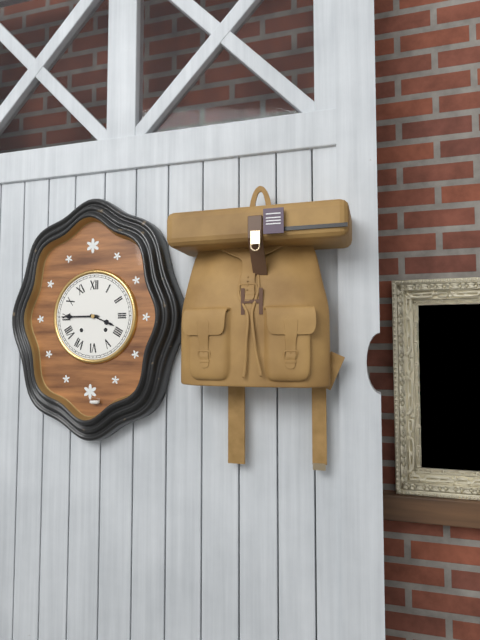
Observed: 3:45
